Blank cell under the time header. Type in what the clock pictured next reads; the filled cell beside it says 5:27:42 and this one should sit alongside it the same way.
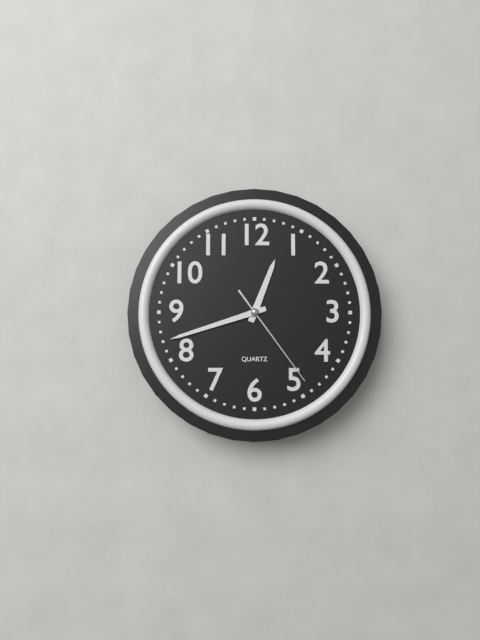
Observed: 12:42:24
